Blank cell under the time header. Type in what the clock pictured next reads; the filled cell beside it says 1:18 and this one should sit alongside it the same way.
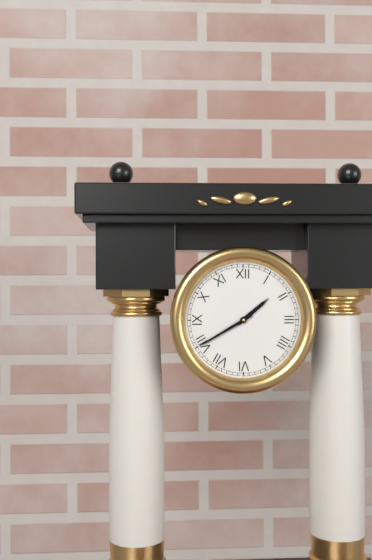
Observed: 1:40
